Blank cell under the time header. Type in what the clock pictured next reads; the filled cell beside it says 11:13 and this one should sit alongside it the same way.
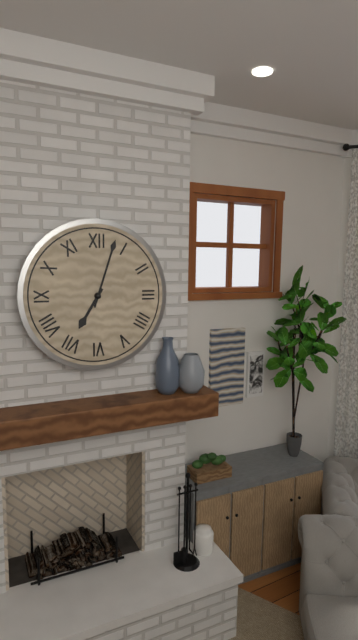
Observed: 7:03
